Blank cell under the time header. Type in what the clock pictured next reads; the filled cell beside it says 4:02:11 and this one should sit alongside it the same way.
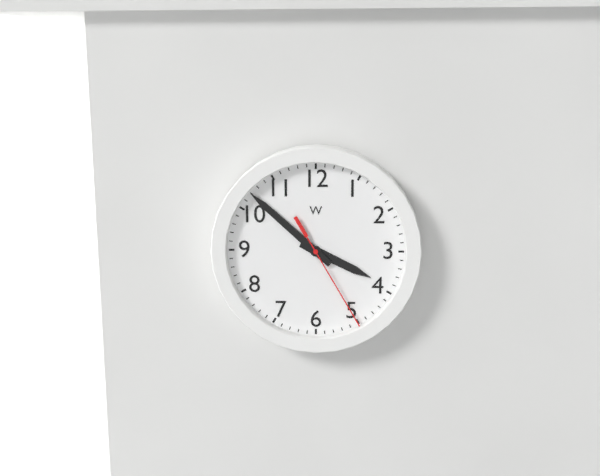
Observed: 3:52:25
